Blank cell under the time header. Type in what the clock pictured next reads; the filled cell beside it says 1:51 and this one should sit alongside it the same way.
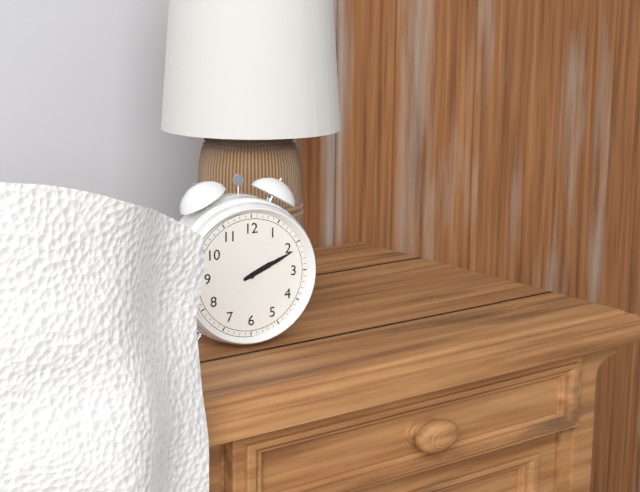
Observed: 2:11
